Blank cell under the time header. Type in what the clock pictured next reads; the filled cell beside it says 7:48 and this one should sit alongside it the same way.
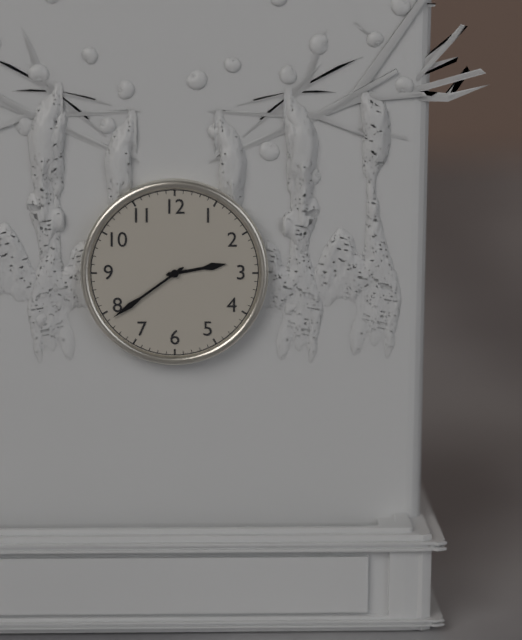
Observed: 2:39
